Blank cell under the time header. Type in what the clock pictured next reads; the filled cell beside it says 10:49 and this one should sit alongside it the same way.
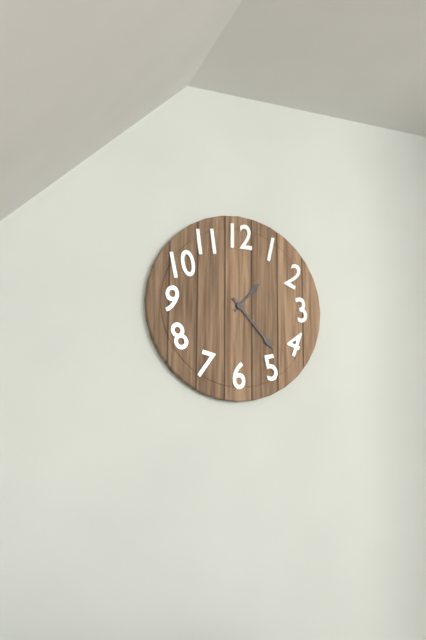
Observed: 1:23
